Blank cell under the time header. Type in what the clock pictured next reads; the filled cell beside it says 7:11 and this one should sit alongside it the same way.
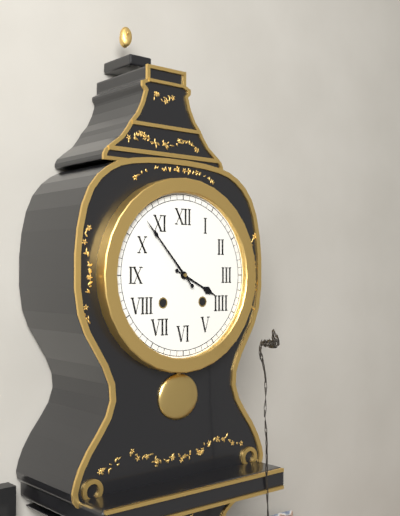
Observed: 3:53
